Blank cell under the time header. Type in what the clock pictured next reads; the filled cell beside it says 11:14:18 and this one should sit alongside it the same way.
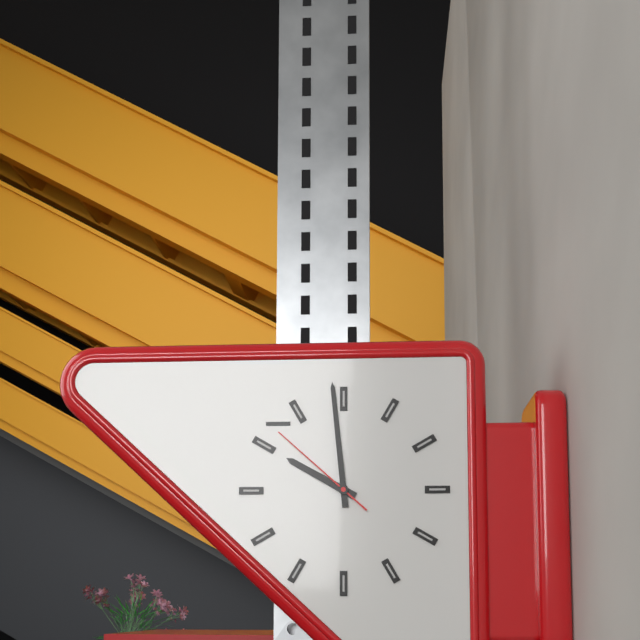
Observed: 9:59:52
